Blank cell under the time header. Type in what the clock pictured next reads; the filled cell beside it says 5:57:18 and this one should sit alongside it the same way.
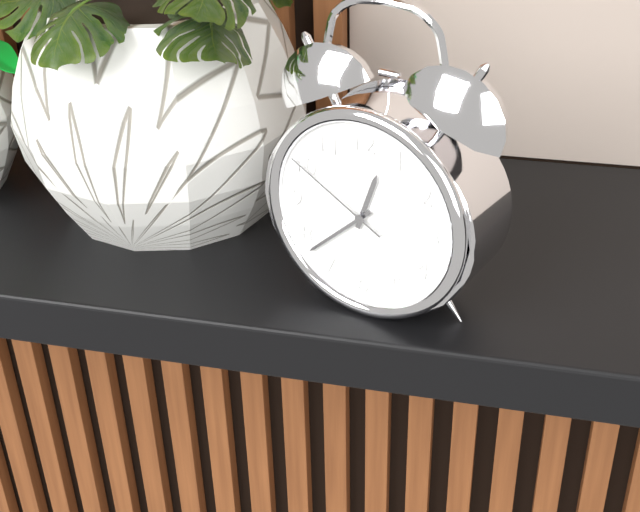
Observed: 12:38:50
